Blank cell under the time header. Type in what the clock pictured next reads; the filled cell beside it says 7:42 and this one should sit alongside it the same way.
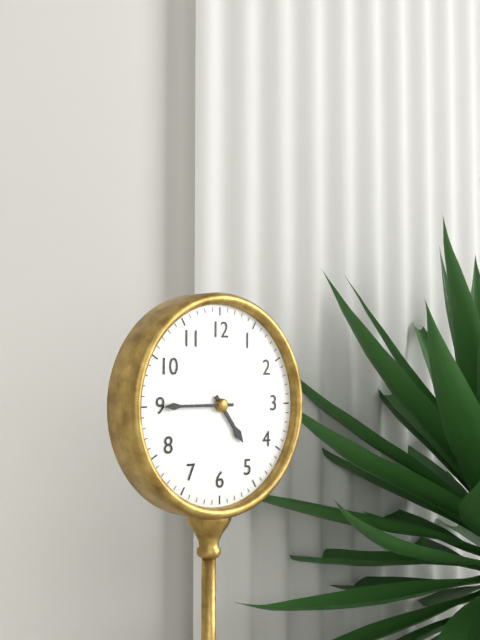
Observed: 4:45
